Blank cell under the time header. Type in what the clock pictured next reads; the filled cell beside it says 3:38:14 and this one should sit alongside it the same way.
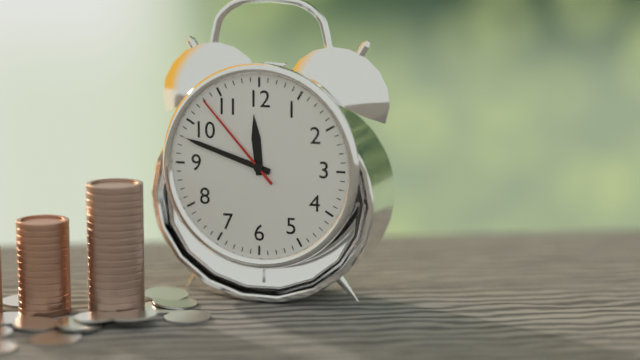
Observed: 11:48:53
